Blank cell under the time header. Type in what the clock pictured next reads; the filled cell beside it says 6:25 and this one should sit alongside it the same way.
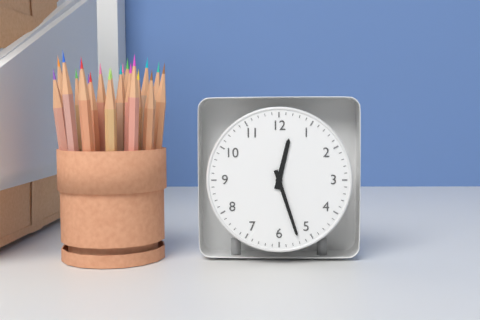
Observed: 12:27
